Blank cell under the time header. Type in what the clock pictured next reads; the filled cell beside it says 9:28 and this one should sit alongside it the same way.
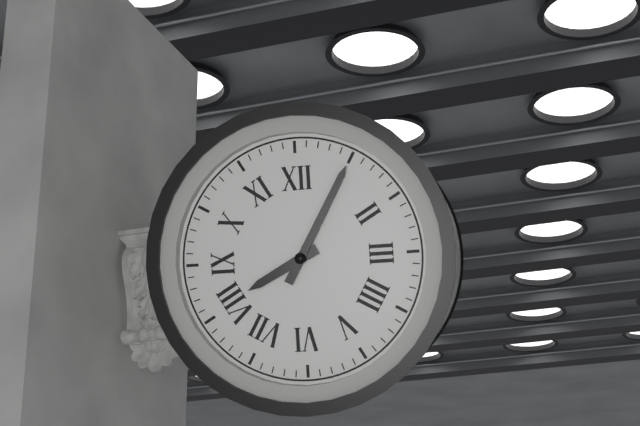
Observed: 8:05
